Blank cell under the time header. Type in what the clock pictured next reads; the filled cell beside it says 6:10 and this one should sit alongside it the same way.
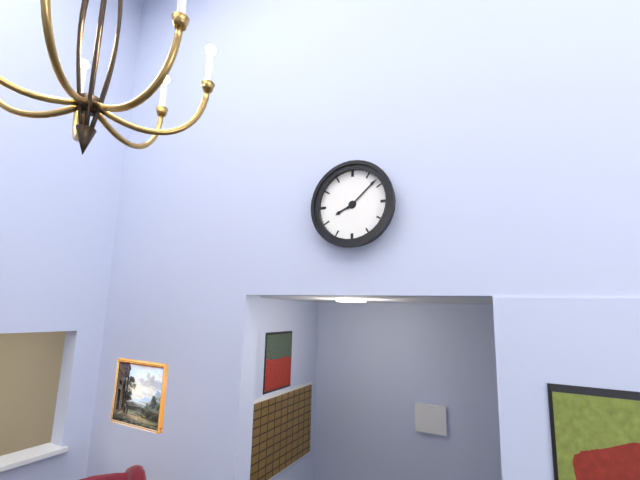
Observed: 8:08
